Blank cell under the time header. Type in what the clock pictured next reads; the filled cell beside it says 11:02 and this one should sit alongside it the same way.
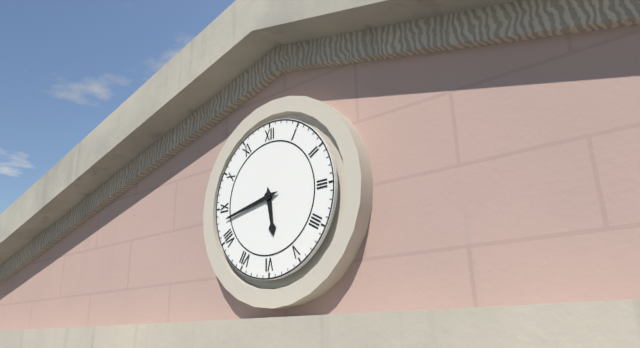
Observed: 5:43
